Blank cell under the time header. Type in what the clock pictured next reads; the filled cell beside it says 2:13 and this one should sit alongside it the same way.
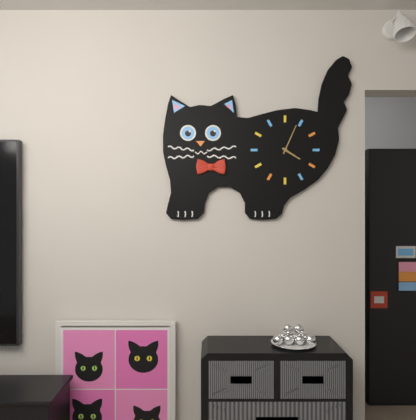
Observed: 4:04
